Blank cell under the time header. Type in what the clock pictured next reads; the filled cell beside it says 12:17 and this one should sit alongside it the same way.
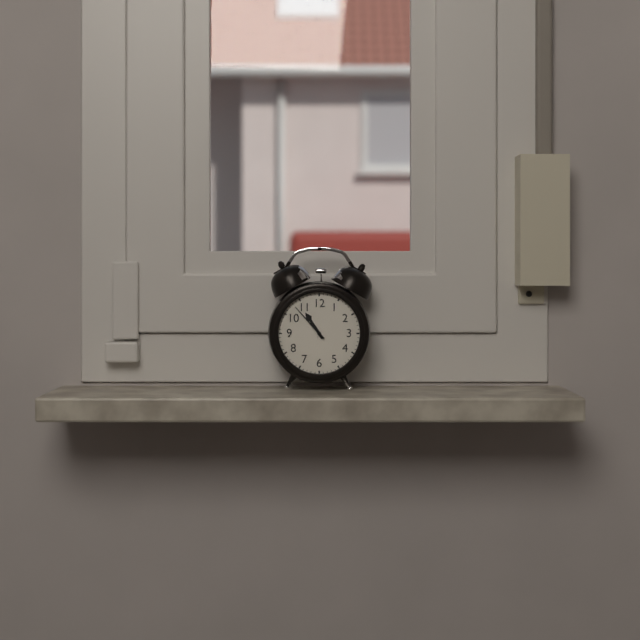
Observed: 10:53
